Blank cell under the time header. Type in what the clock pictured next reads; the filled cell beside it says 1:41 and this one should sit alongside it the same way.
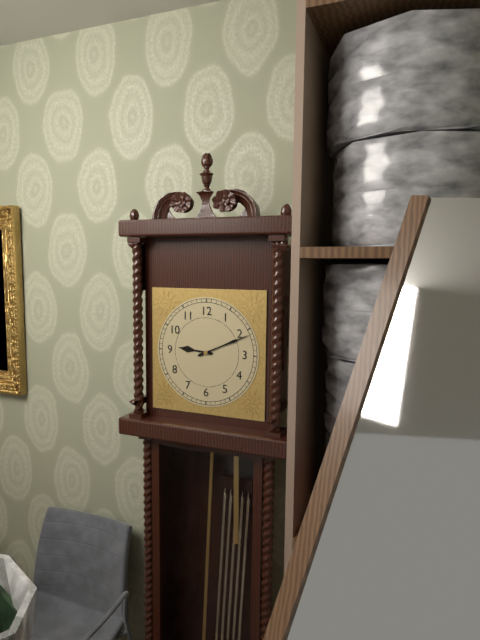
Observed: 9:11
